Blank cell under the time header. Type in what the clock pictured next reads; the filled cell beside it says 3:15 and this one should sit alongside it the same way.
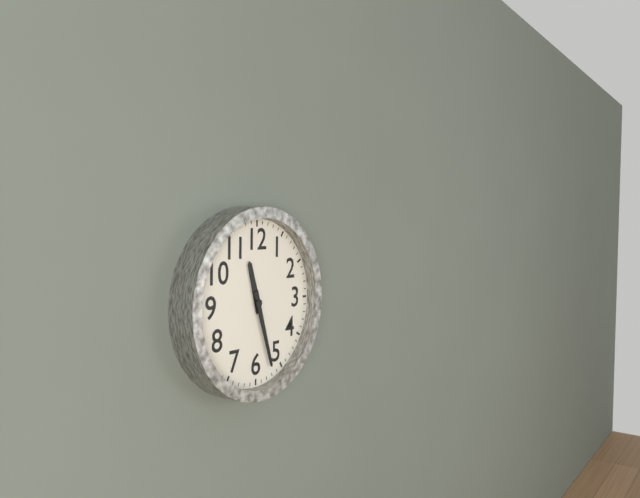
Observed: 11:27
